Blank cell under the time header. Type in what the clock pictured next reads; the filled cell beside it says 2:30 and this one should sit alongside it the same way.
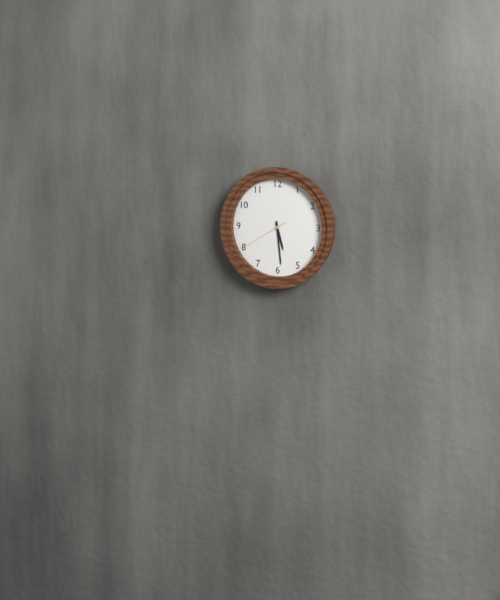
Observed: 5:29
